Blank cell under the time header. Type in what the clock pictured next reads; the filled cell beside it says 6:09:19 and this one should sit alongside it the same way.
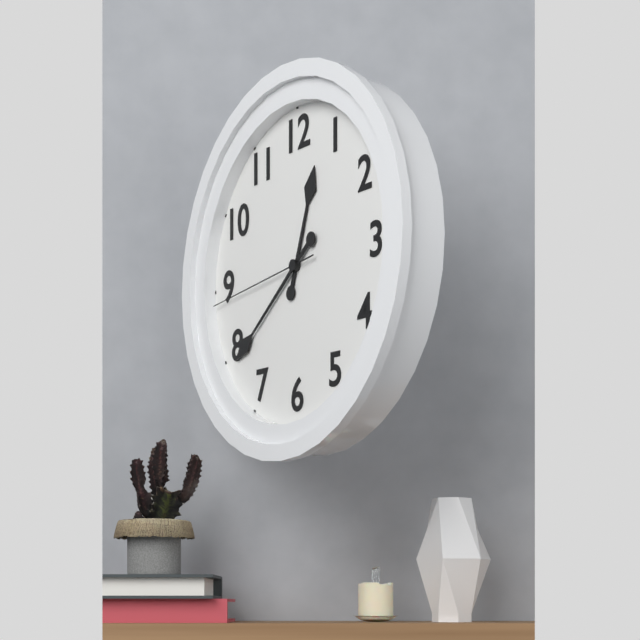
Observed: 12:39:44
